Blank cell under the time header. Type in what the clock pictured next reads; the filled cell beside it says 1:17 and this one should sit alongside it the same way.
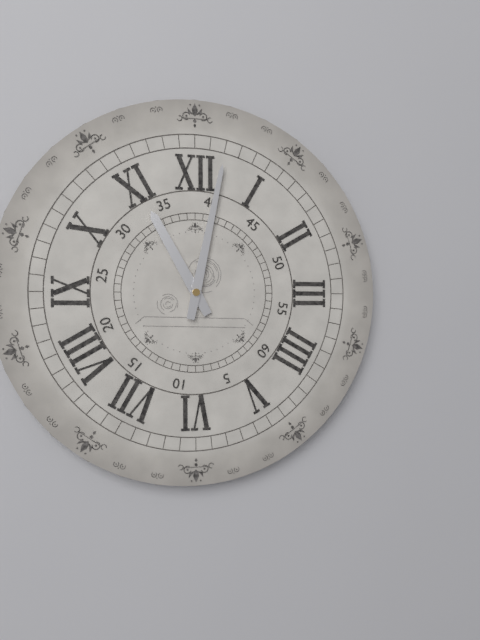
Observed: 11:02
